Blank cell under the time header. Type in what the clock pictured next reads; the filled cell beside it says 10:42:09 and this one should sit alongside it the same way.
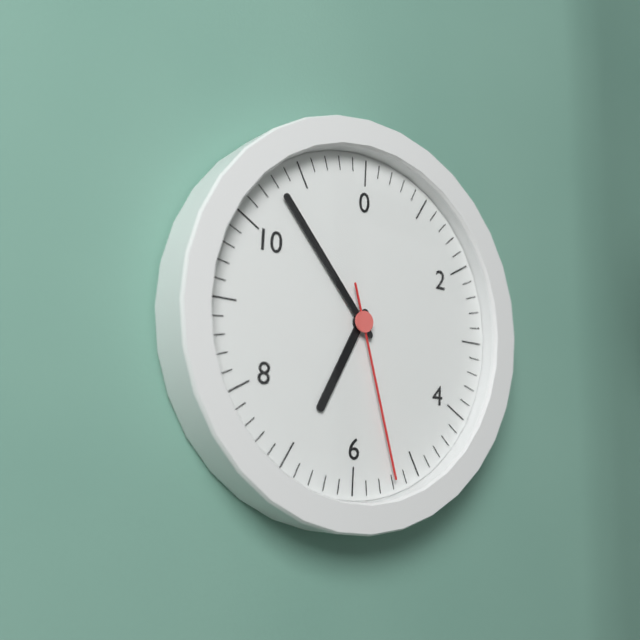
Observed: 6:53:27
